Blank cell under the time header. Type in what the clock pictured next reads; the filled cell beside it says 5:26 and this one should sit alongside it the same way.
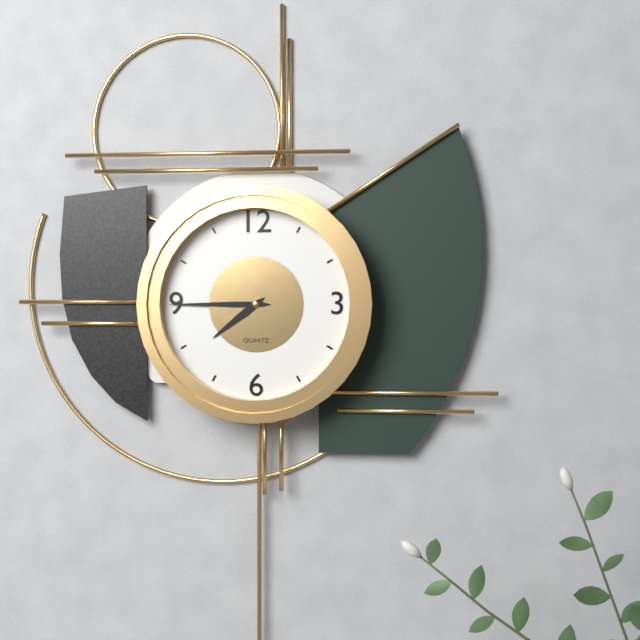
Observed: 7:45
